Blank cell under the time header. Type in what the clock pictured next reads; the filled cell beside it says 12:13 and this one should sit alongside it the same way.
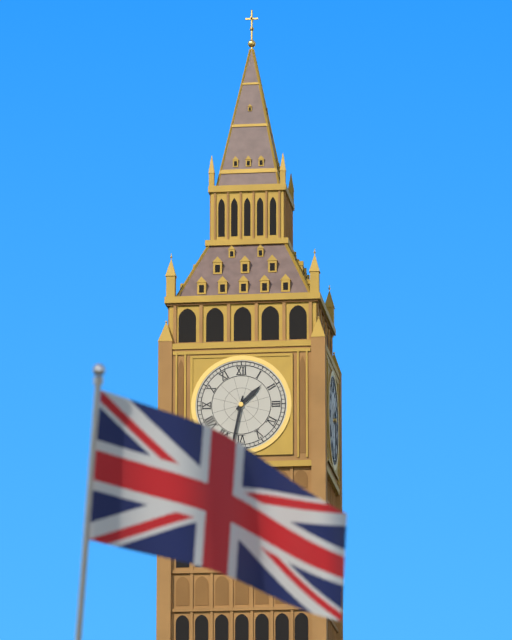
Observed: 1:32
